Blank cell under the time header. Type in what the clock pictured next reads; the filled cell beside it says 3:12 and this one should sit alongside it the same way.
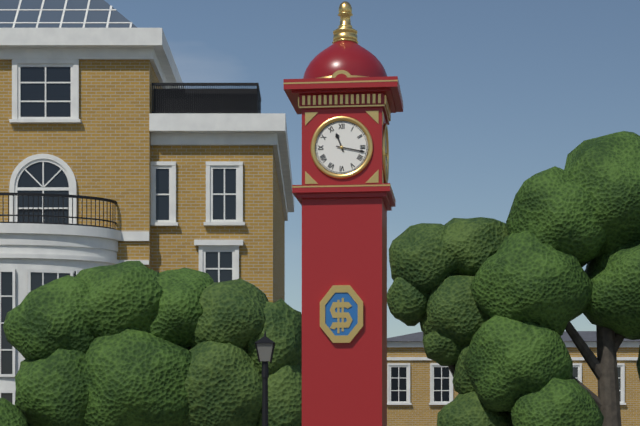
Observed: 11:17
